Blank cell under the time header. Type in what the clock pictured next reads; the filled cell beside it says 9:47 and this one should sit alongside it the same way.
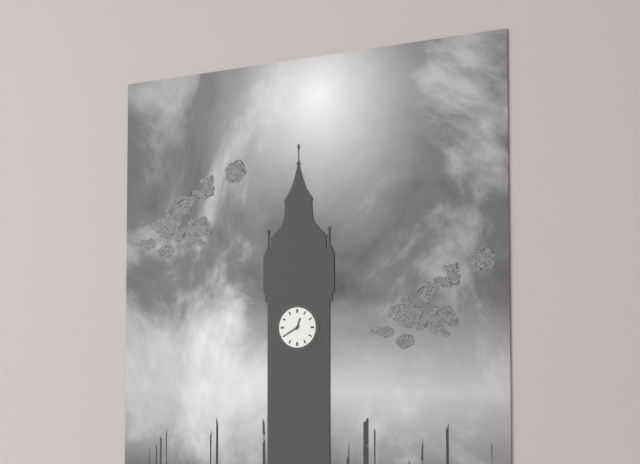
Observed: 12:40
